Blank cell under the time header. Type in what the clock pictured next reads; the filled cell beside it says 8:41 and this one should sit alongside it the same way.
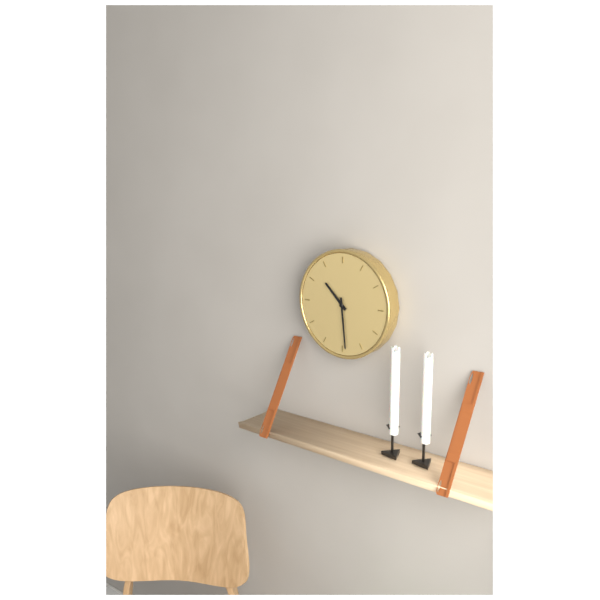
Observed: 10:29
